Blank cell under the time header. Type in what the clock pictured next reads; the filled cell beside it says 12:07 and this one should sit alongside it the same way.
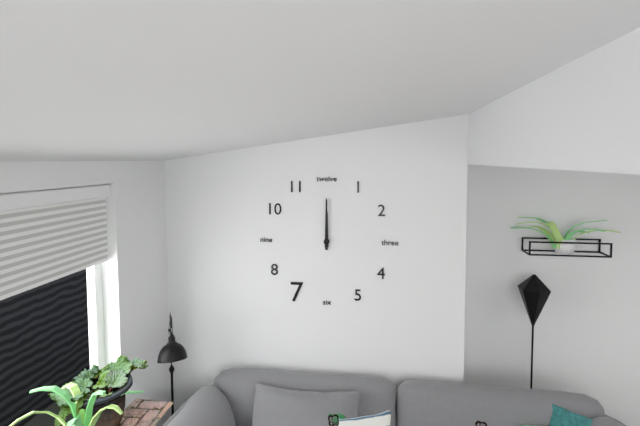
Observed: 12:00
